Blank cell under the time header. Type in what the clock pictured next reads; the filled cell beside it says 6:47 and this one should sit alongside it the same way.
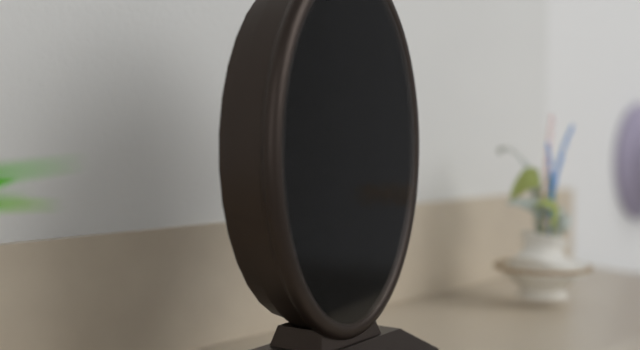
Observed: 4:03
